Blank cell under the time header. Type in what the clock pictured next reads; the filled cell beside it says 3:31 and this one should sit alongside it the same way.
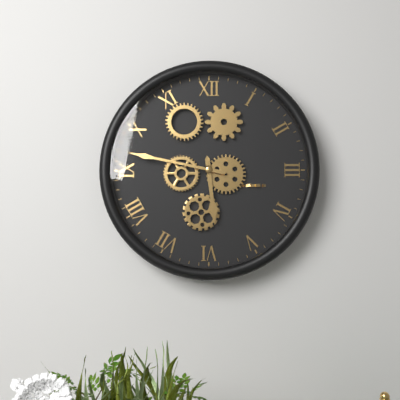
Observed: 5:47
